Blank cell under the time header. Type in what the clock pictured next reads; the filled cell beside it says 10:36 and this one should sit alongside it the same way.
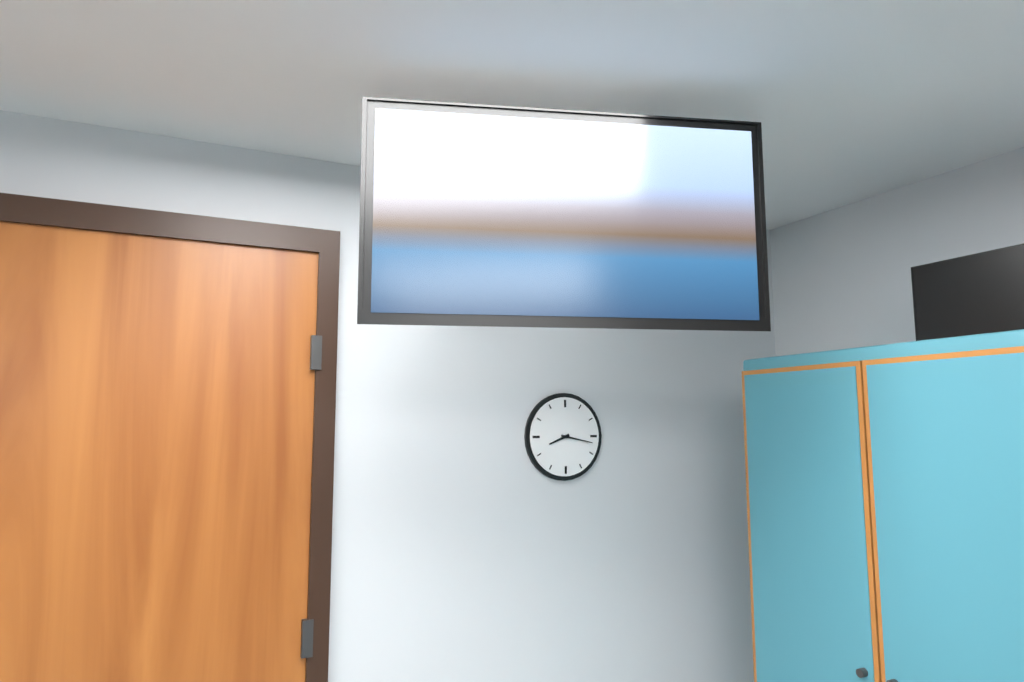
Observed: 8:17
